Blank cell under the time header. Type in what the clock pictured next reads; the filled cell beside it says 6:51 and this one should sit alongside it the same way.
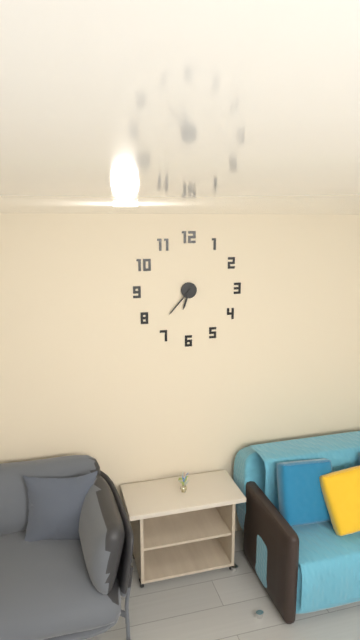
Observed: 6:37
